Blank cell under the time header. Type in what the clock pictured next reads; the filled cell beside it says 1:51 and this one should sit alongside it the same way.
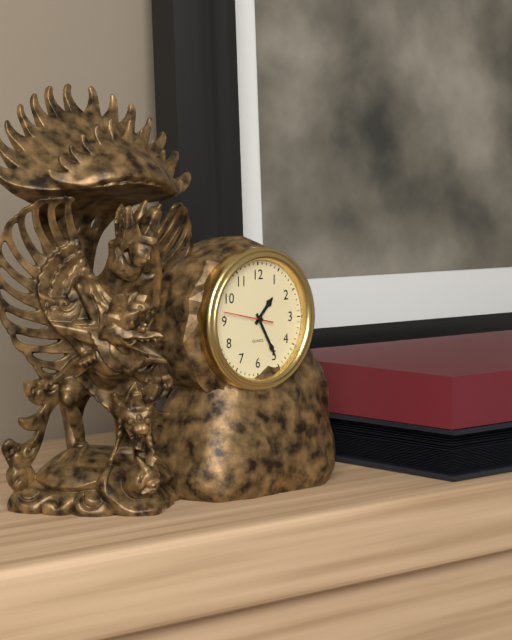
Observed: 1:25
